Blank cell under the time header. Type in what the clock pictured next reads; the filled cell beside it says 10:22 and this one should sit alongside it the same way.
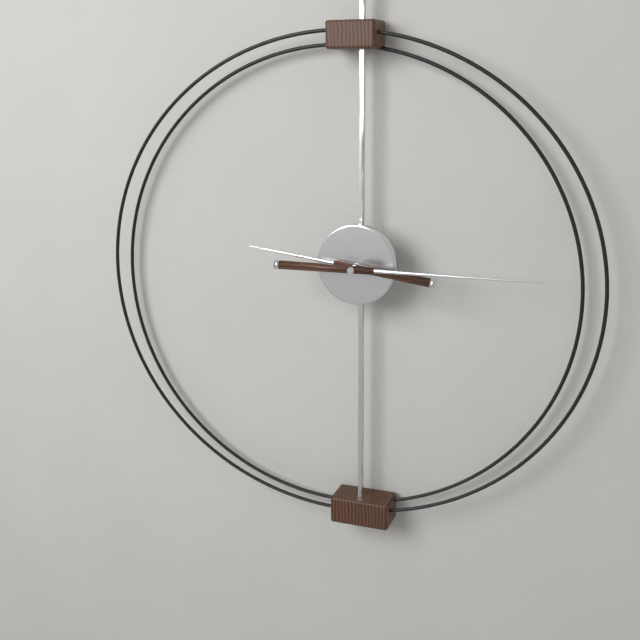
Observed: 9:15
